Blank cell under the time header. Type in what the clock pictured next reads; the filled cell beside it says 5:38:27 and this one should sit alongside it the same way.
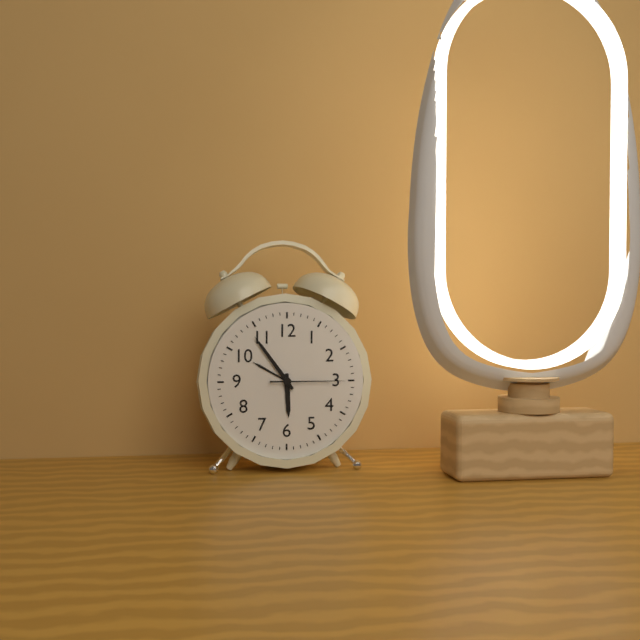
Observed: 5:54:15
